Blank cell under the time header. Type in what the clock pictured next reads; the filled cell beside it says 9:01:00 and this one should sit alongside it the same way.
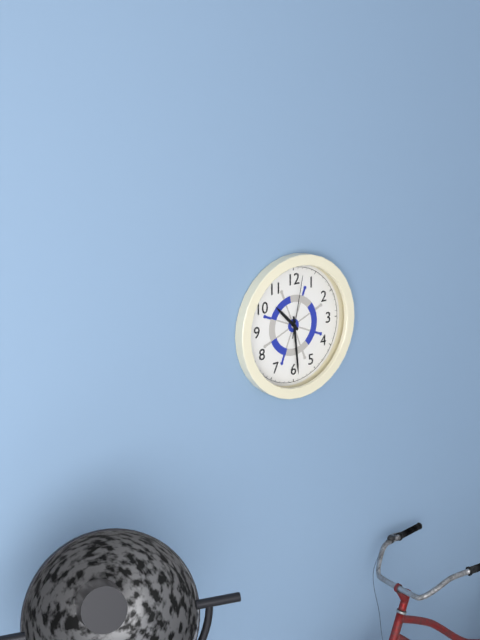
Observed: 10:29:02
